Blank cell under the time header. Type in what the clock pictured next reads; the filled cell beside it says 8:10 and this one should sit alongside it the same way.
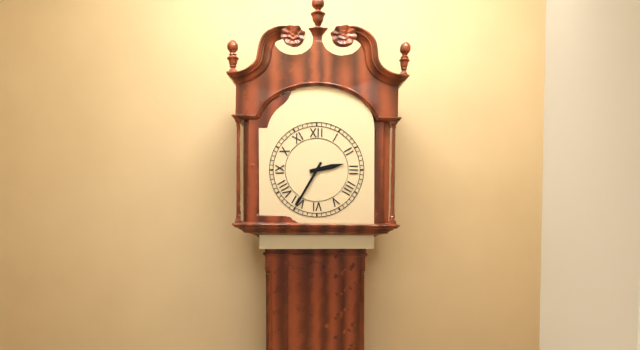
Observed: 2:35
